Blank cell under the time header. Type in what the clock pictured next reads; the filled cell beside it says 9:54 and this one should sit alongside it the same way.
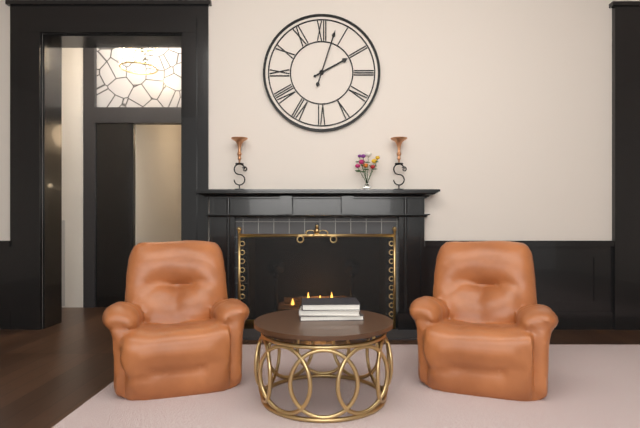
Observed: 2:03
